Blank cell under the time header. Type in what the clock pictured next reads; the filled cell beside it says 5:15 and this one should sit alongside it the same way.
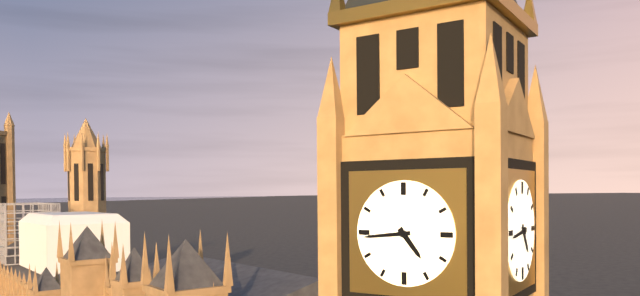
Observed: 4:44
